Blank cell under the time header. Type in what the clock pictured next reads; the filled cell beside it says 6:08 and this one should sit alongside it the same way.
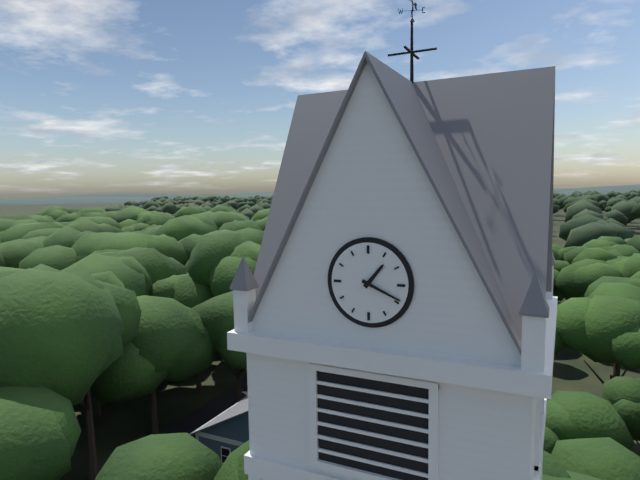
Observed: 1:19
